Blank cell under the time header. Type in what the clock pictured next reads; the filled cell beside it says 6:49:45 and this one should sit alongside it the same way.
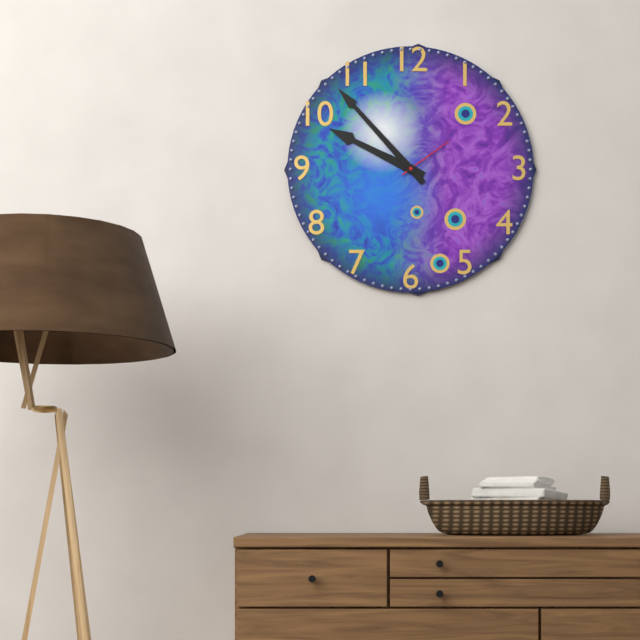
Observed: 9:53:09
